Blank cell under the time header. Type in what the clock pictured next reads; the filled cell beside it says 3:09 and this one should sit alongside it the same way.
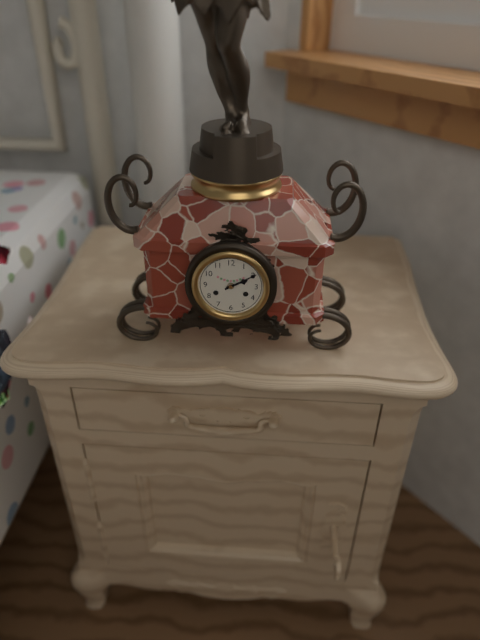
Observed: 2:10
